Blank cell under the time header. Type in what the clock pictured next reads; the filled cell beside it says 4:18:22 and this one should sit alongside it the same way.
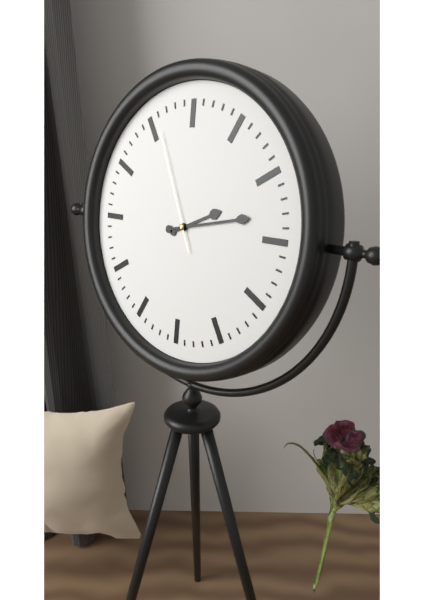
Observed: 2:13:56
